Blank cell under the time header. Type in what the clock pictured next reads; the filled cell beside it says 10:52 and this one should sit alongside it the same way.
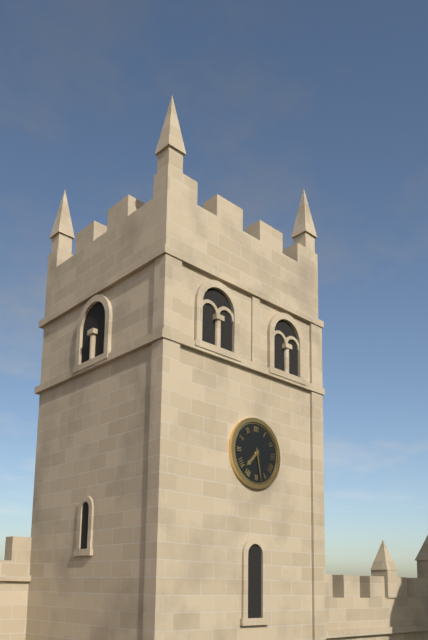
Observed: 7:28
